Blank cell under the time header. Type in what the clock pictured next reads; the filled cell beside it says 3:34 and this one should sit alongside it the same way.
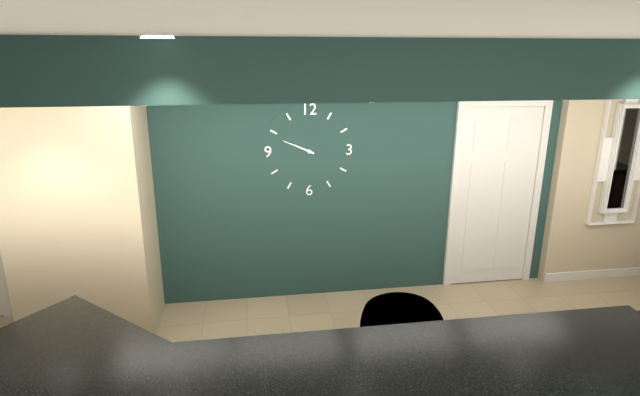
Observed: 9:49
